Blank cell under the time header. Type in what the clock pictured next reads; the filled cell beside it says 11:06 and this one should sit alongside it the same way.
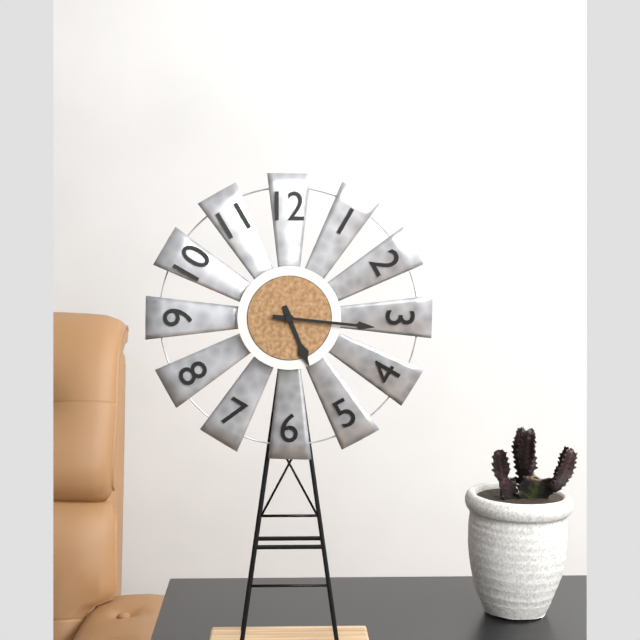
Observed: 5:16
